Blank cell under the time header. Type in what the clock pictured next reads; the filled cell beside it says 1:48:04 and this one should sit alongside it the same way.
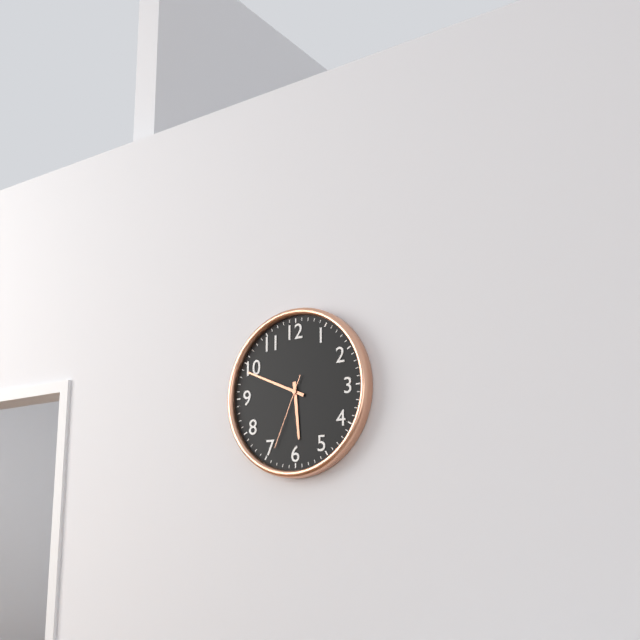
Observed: 5:49:34
